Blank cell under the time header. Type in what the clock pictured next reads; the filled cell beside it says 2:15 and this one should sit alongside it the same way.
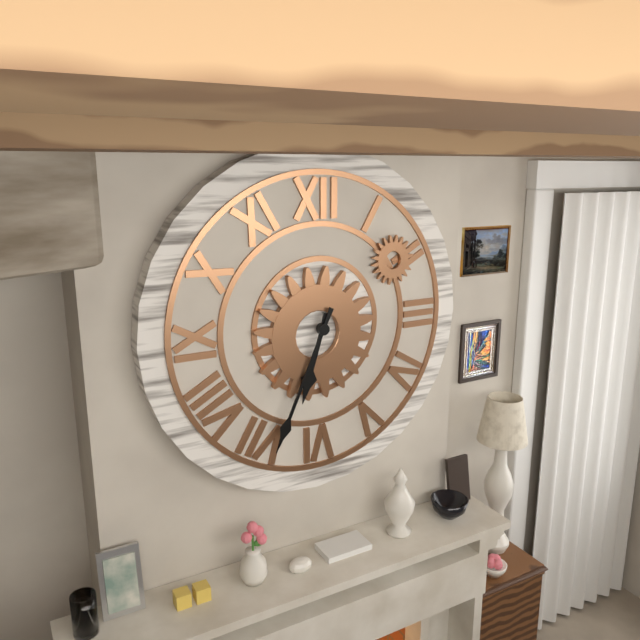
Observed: 6:34
